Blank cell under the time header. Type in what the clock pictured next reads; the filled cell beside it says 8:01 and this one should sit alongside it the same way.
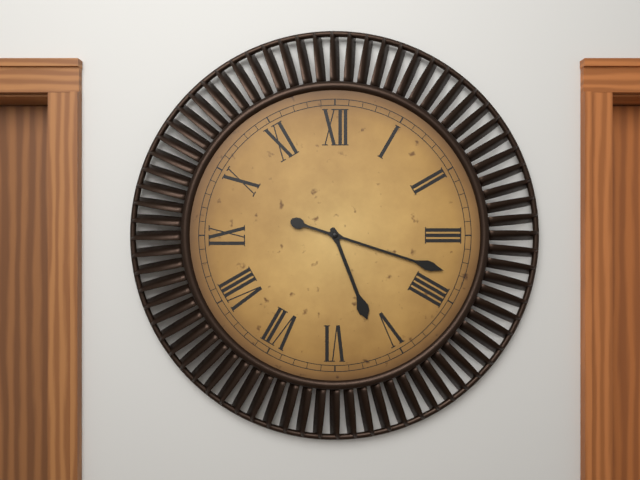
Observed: 5:18
